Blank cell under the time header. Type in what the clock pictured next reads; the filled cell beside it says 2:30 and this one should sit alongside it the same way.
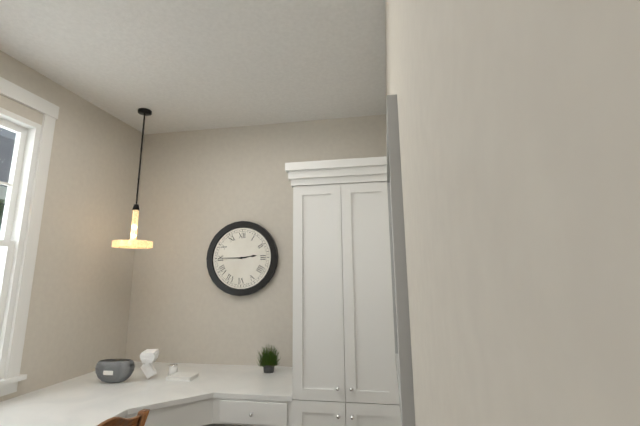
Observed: 2:45
